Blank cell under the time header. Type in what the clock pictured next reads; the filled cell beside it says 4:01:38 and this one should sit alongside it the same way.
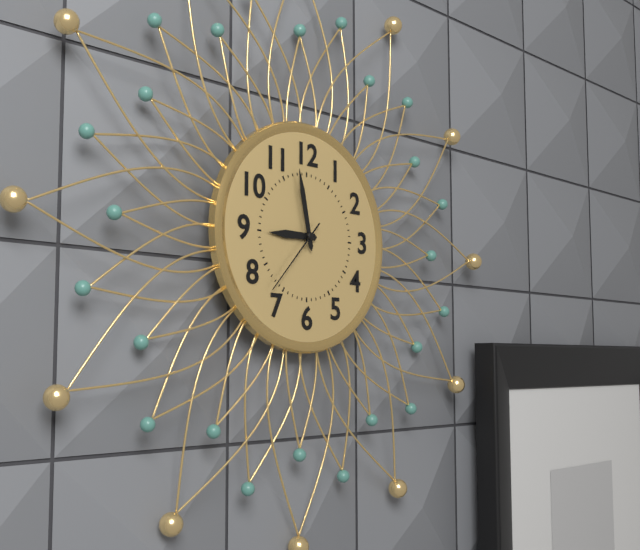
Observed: 8:58:37
